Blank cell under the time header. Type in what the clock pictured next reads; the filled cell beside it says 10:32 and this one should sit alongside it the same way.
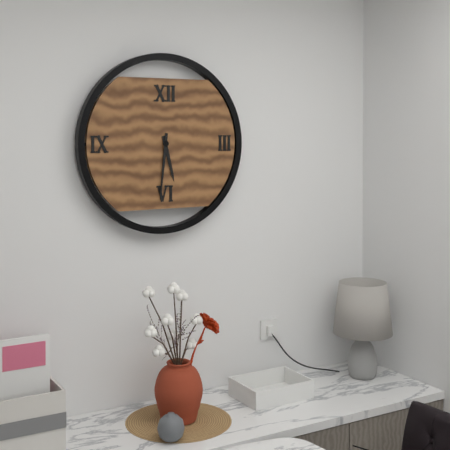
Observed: 5:31
